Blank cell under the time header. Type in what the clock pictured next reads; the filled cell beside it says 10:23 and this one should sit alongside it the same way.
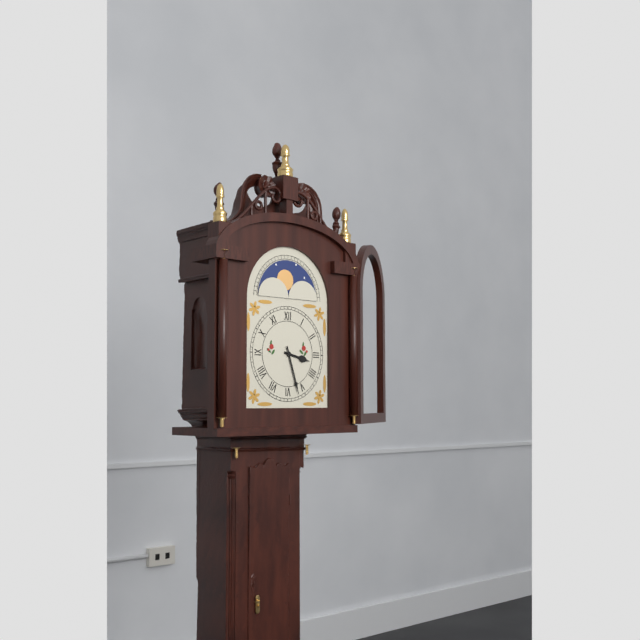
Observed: 3:27
